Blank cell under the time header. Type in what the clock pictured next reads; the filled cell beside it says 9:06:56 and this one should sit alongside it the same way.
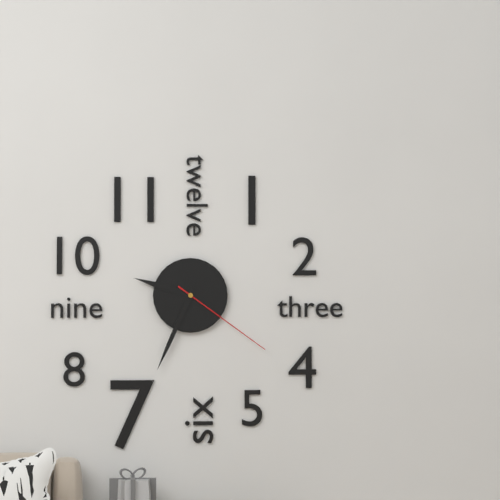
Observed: 9:34:21
